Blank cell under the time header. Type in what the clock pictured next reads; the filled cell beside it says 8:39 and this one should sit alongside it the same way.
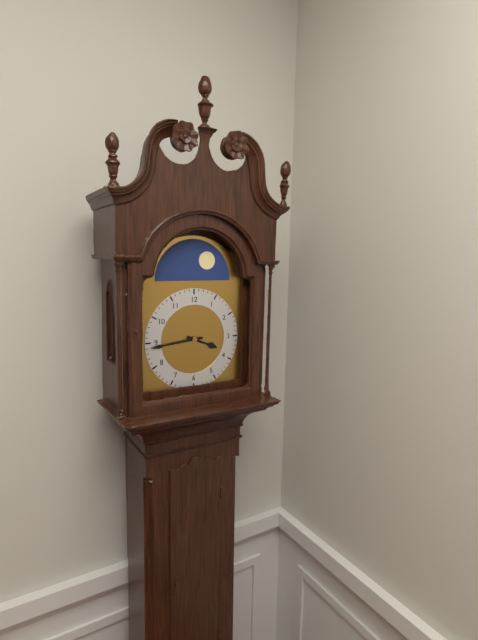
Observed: 3:44
